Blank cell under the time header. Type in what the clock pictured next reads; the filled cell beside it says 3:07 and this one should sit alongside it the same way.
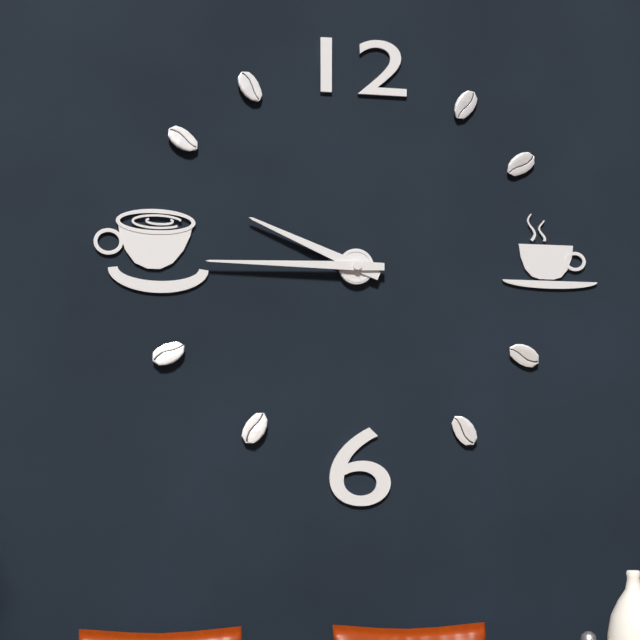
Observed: 9:45
